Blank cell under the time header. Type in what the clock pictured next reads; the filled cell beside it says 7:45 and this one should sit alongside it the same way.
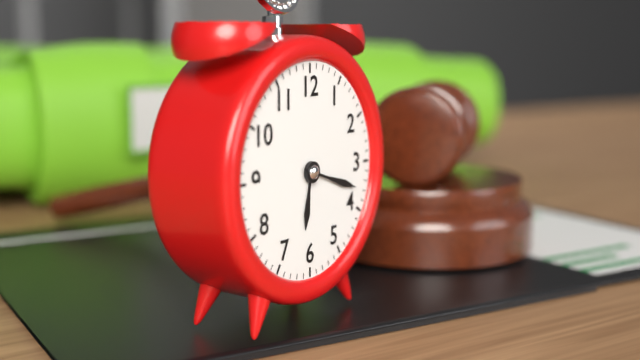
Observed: 6:18
